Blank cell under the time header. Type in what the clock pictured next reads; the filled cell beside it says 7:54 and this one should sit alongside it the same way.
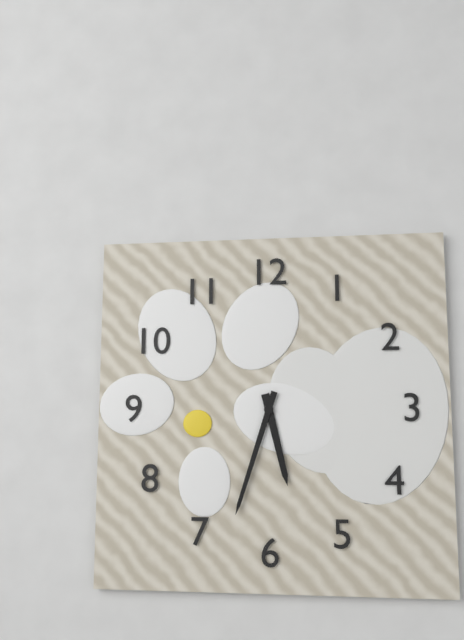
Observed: 5:33
